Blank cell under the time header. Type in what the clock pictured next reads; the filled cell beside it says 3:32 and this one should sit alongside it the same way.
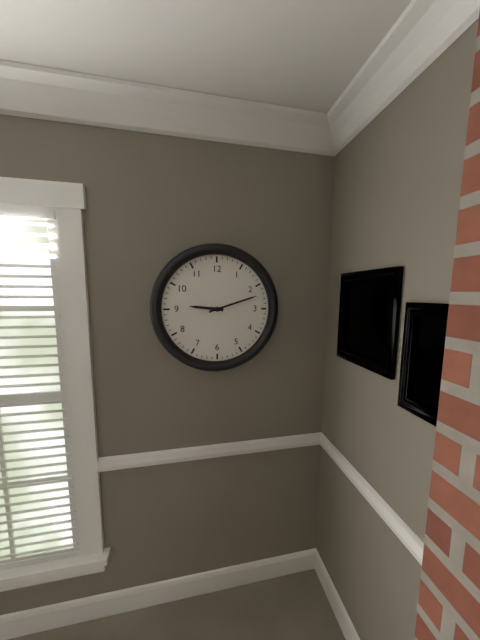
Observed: 9:12
